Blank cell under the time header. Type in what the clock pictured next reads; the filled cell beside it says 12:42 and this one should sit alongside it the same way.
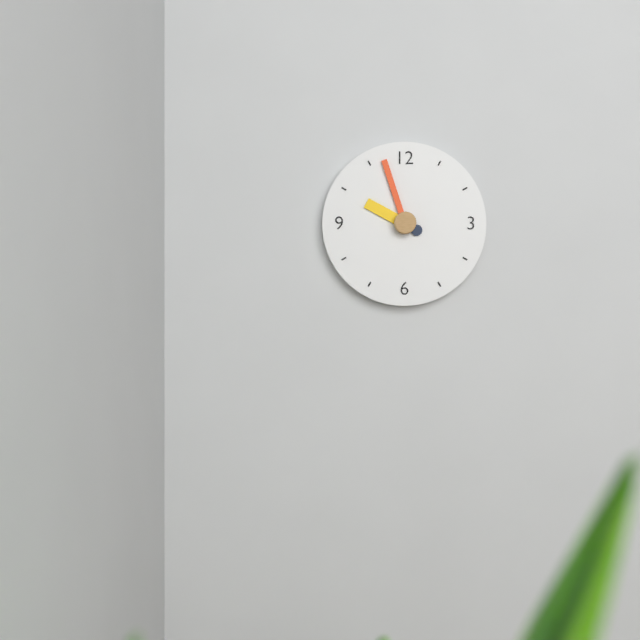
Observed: 9:57
